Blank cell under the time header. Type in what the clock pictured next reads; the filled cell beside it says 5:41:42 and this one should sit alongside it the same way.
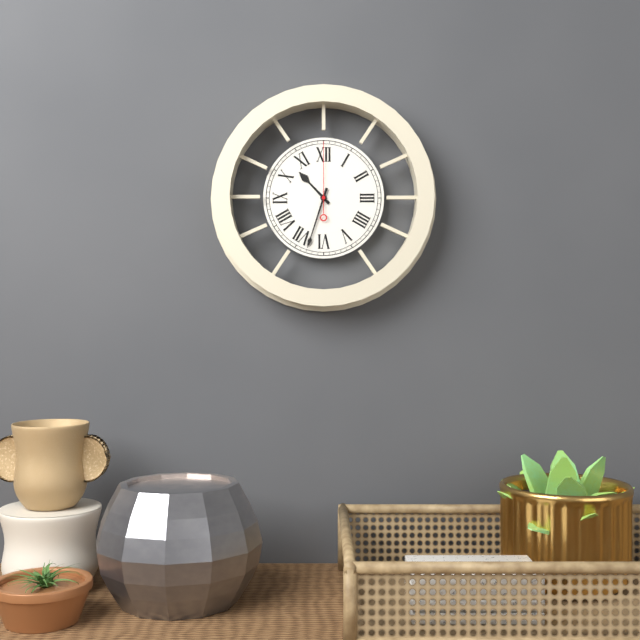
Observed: 10:33:00
